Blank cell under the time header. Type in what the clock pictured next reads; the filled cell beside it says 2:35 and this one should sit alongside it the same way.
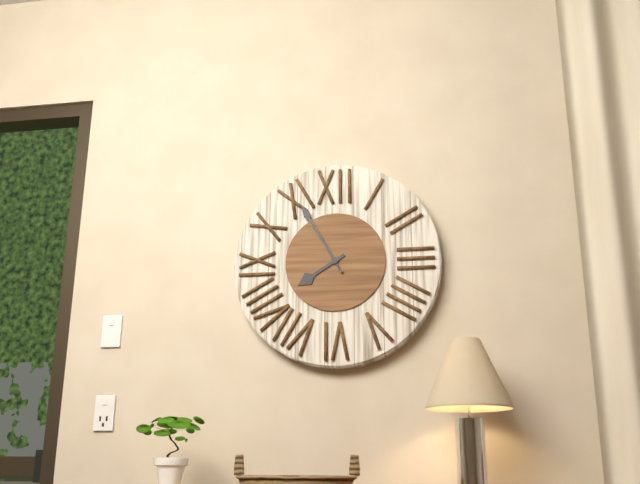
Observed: 7:55
